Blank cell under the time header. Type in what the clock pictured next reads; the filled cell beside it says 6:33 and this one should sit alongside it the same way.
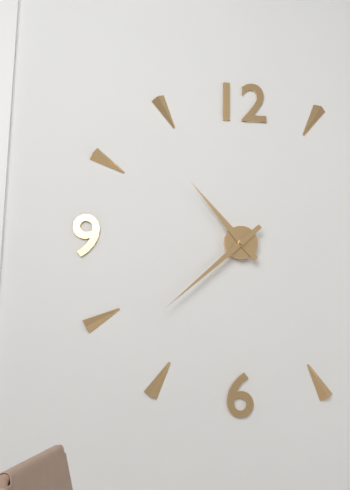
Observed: 10:38
